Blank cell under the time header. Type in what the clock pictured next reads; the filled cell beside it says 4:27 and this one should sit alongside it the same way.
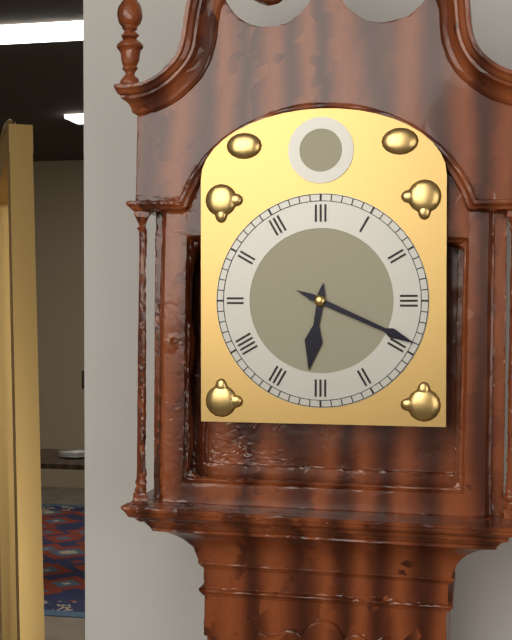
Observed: 6:19
